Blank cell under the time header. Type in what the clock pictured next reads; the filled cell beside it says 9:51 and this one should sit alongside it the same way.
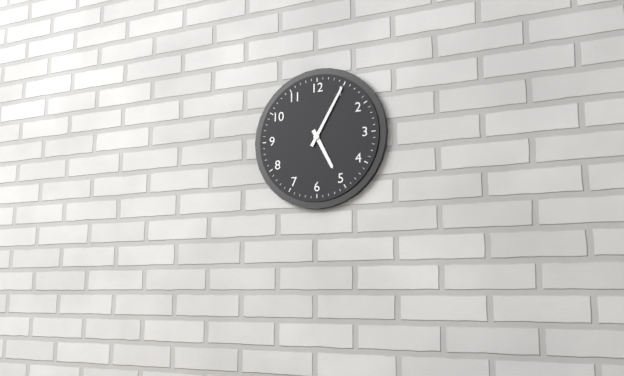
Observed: 5:05
